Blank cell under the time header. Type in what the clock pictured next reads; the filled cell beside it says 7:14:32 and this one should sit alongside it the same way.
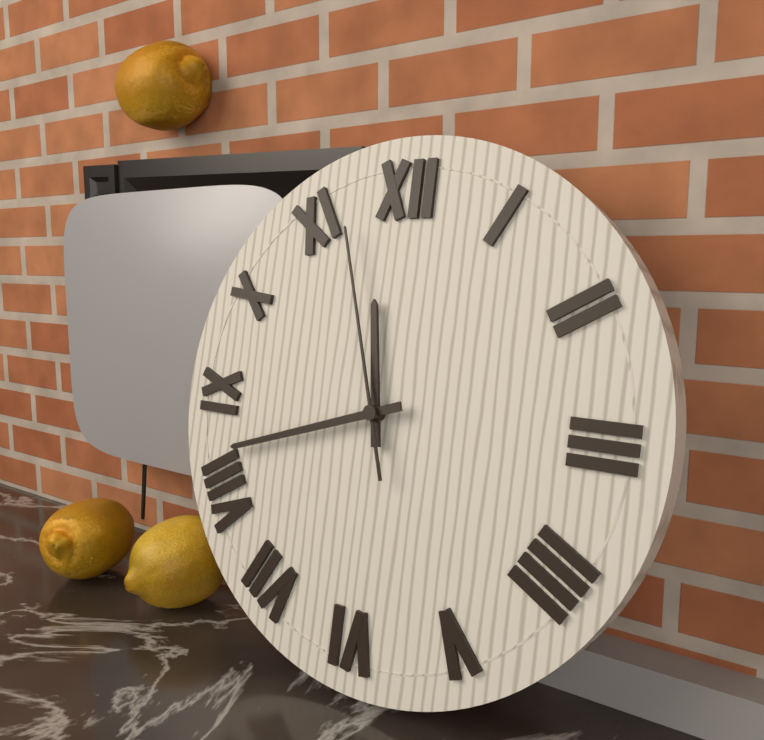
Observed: 11:42:57
